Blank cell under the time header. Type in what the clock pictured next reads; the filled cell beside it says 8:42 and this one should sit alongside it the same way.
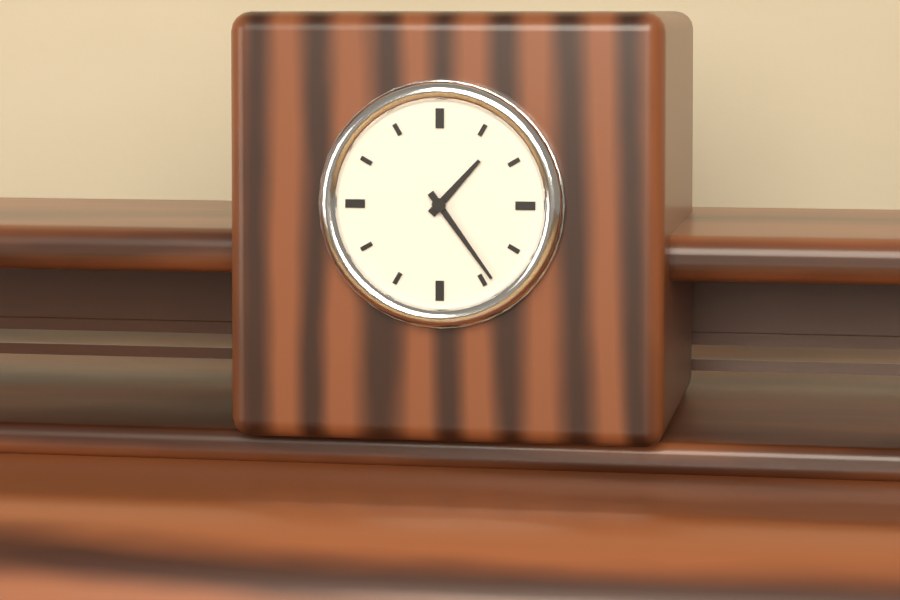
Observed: 1:24
